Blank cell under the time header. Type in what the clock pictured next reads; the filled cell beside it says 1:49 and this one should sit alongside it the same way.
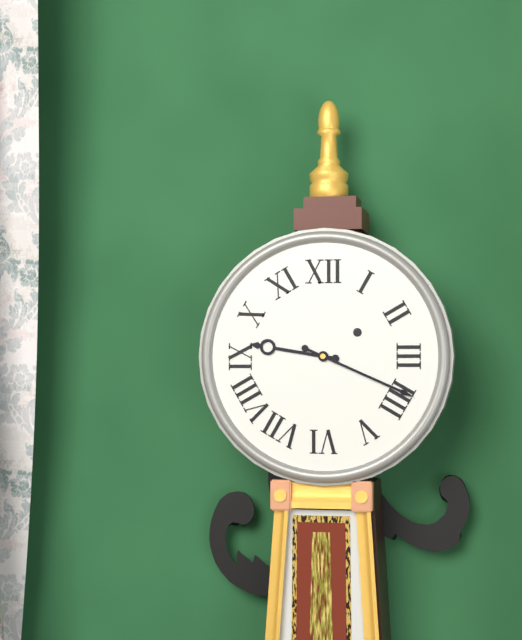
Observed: 9:19
